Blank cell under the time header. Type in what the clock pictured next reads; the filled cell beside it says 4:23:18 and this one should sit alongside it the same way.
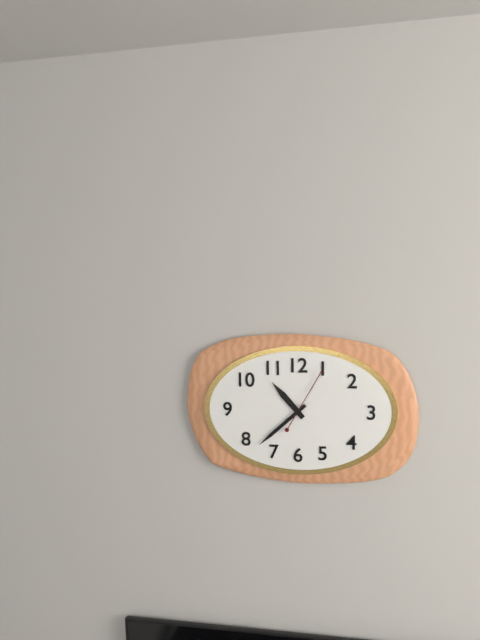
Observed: 10:38:05
